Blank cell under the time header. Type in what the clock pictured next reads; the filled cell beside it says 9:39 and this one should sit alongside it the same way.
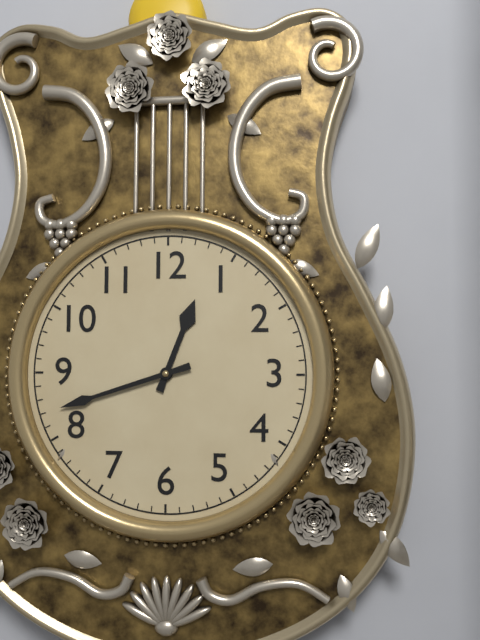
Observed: 12:42
